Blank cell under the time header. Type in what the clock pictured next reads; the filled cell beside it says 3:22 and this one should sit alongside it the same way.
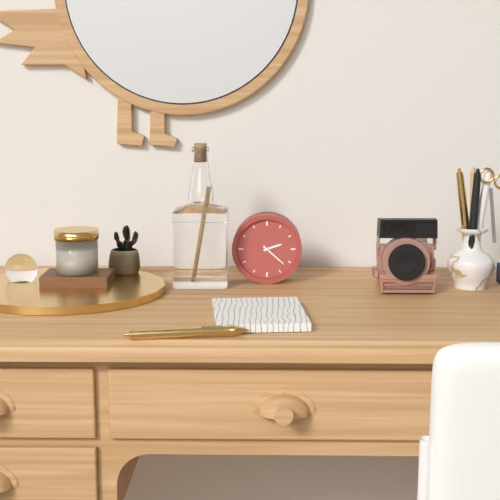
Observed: 2:22
